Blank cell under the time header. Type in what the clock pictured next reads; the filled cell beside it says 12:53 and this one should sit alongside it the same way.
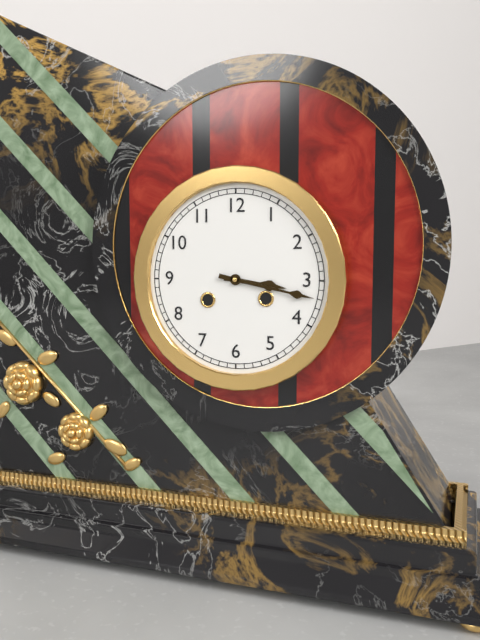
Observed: 3:17
